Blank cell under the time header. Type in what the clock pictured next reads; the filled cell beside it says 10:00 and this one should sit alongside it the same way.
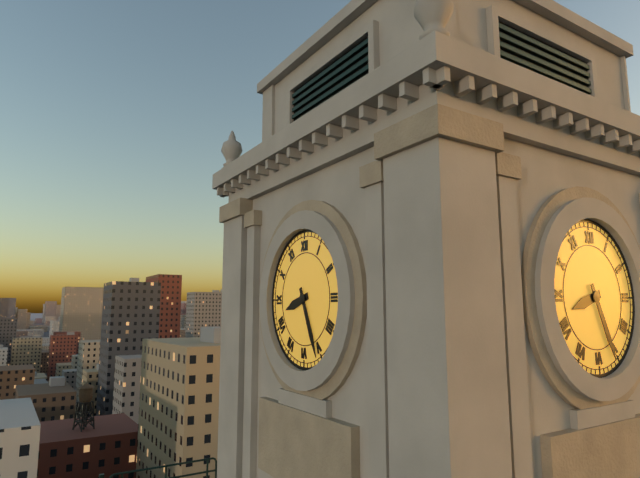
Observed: 8:26
